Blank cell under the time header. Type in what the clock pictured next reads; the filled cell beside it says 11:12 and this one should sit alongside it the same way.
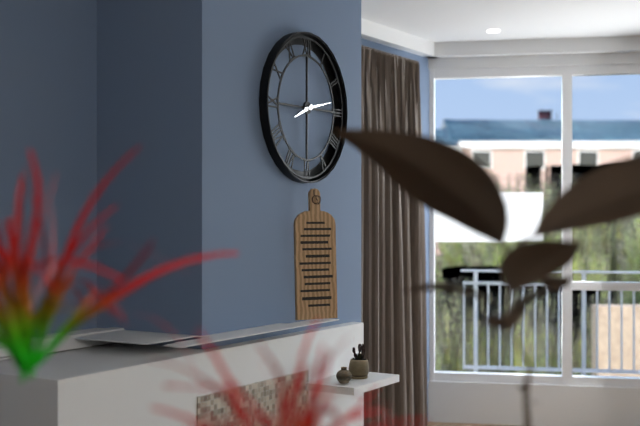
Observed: 8:13
